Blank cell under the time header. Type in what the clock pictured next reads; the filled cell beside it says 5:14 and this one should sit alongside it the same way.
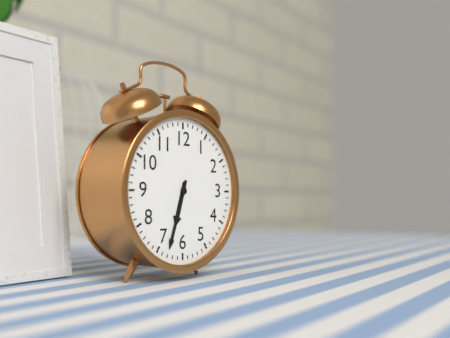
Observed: 6:33
